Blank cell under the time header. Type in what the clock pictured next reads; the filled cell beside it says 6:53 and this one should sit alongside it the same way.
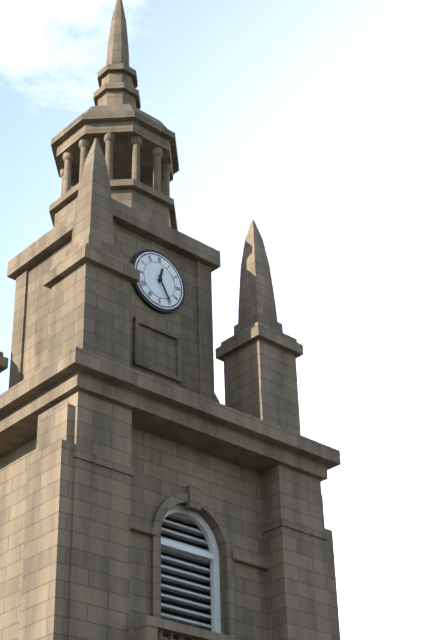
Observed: 12:25
